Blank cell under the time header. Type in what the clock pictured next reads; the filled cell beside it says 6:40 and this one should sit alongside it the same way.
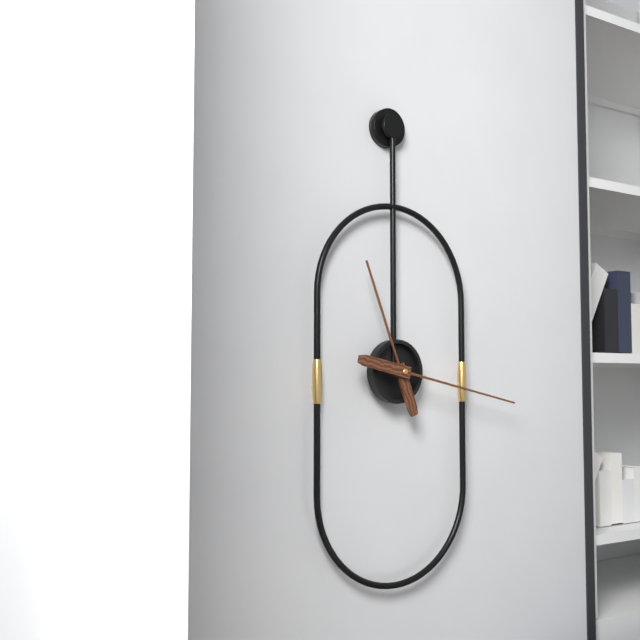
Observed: 11:17
